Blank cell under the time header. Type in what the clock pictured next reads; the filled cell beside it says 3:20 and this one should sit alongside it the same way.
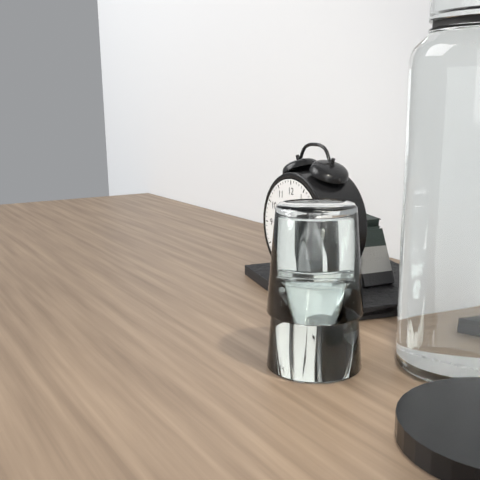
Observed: 3:15
